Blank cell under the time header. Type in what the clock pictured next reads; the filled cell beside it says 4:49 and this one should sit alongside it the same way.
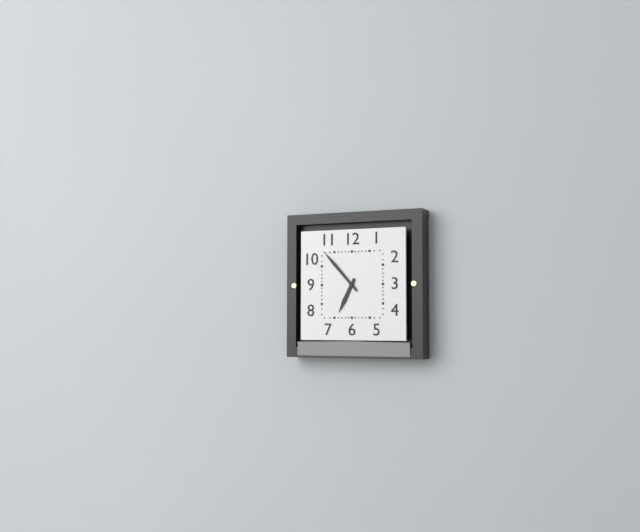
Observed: 6:53
